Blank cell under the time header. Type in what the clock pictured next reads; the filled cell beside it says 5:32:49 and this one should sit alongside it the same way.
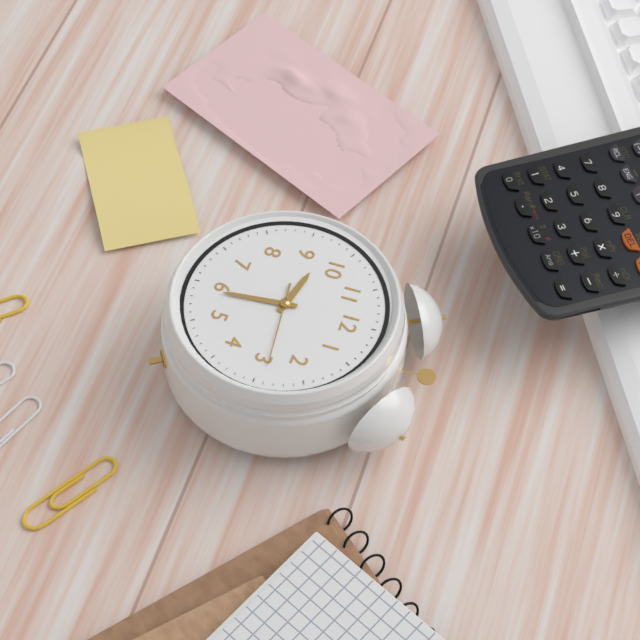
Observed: 9:29:14
